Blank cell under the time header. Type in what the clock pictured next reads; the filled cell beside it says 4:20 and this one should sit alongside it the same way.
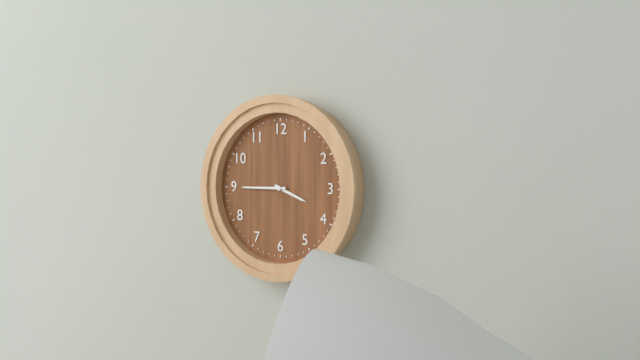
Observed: 3:45
